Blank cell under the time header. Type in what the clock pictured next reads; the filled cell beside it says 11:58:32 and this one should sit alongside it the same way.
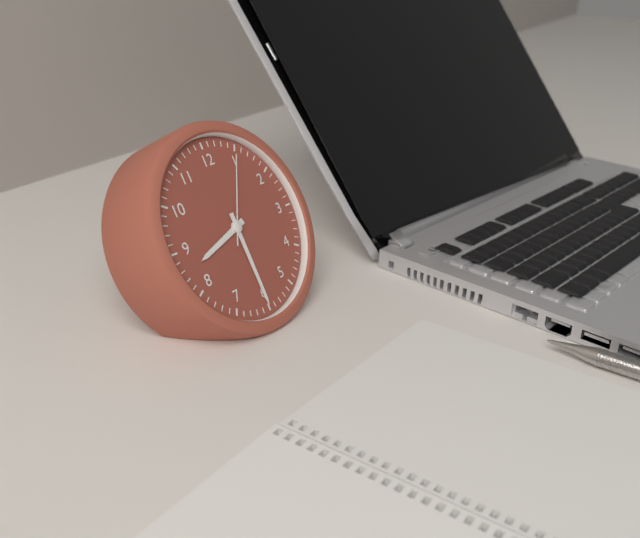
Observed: 8:30:05
